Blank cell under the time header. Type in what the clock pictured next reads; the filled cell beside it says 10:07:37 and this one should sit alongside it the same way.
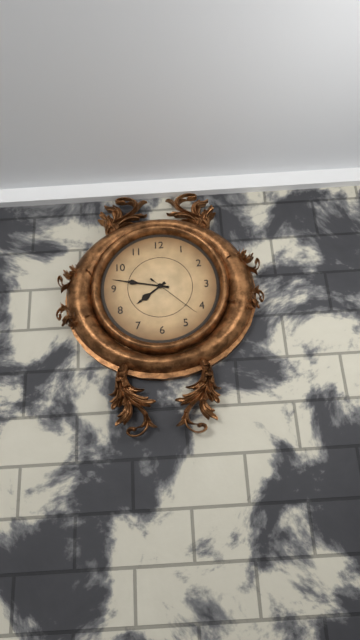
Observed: 7:47:22
